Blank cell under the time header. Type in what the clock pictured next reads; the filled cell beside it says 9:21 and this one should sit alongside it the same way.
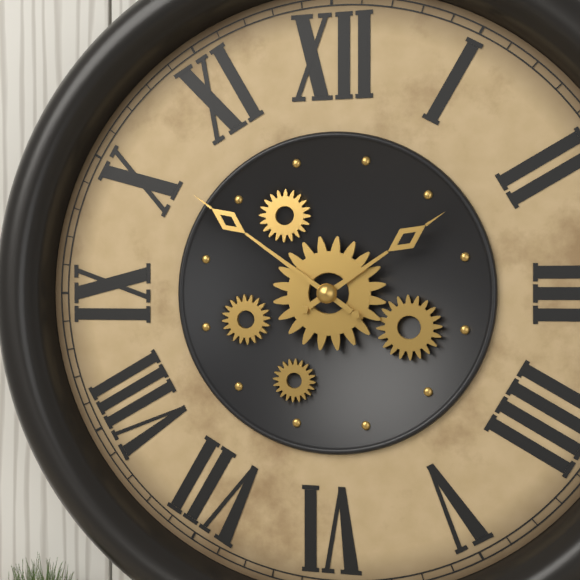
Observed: 1:51
